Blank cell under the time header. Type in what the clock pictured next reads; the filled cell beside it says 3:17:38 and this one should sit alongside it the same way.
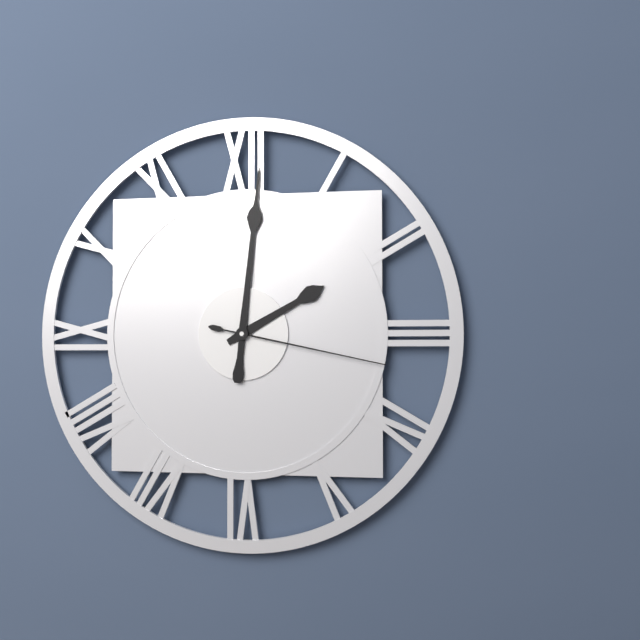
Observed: 2:01:17
